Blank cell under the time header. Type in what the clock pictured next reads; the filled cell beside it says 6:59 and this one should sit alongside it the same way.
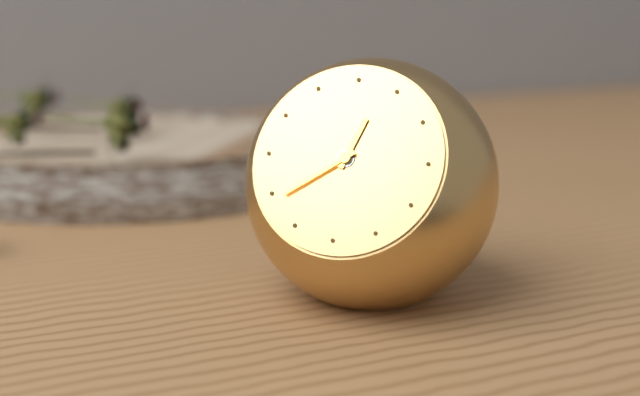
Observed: 12:39
